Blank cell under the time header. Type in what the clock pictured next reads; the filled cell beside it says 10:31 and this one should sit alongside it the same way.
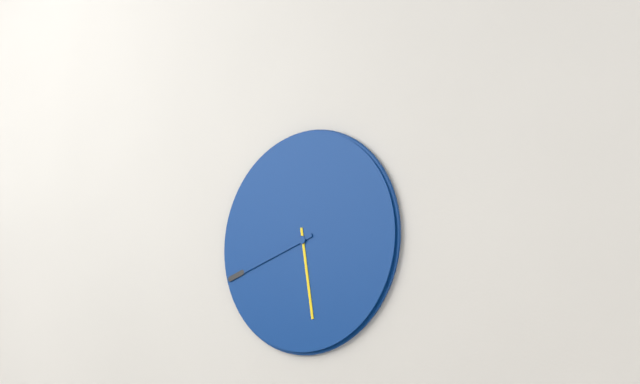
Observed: 5:42
